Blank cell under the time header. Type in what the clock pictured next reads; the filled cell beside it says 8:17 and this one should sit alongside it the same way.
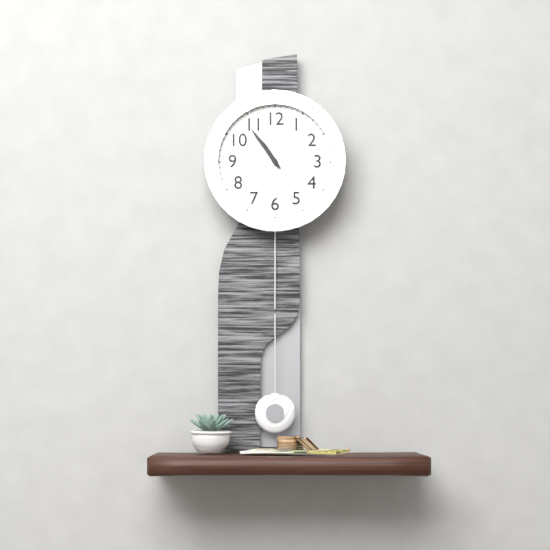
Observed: 10:54
